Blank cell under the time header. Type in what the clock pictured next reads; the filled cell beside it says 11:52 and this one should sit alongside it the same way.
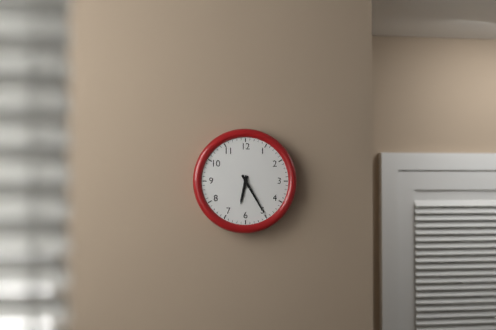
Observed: 6:25
